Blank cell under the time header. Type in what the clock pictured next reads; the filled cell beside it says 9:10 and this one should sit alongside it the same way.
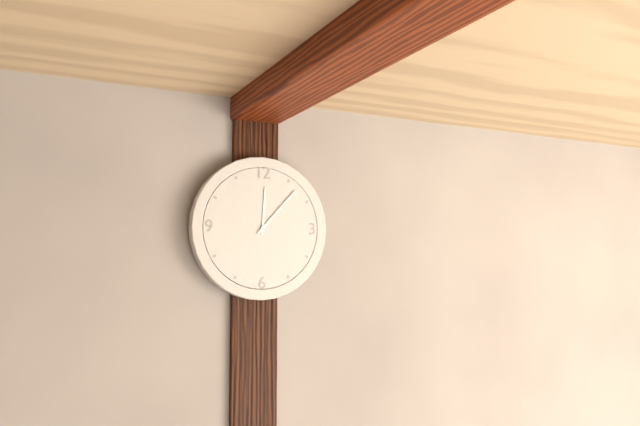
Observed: 12:07
